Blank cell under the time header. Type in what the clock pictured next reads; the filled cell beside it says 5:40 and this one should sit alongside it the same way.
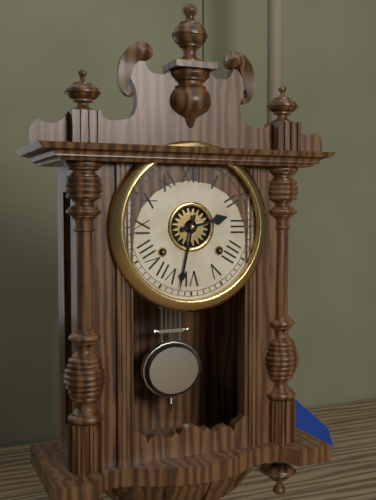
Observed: 2:32
